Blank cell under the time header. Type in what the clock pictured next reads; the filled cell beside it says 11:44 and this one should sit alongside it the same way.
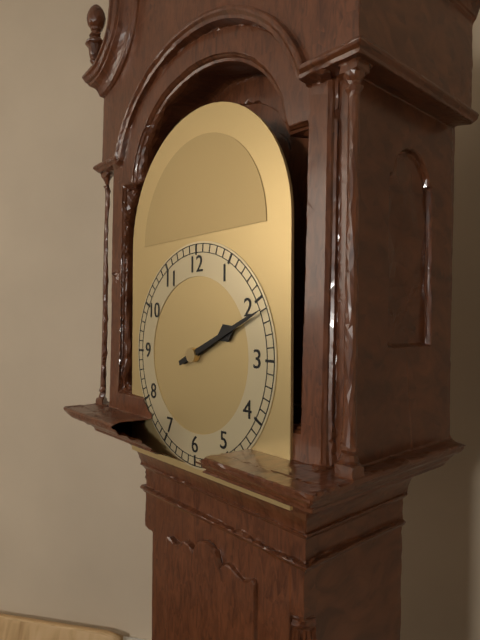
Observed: 2:11
